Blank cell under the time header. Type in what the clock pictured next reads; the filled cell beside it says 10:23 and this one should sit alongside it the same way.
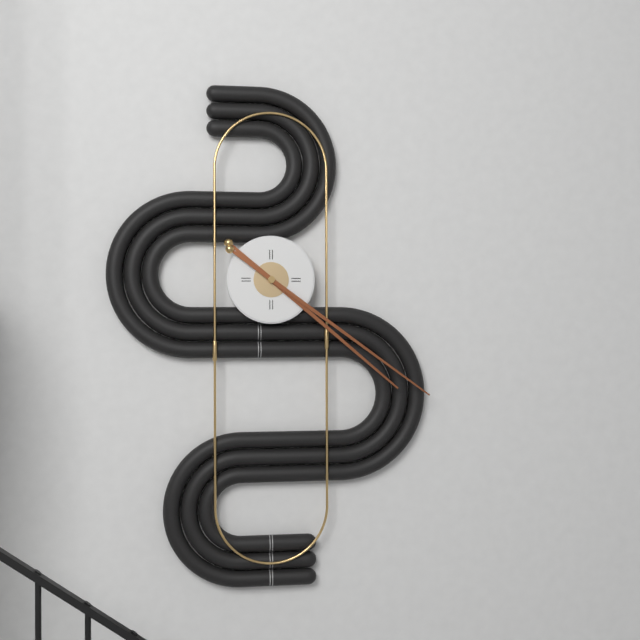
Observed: 4:21
